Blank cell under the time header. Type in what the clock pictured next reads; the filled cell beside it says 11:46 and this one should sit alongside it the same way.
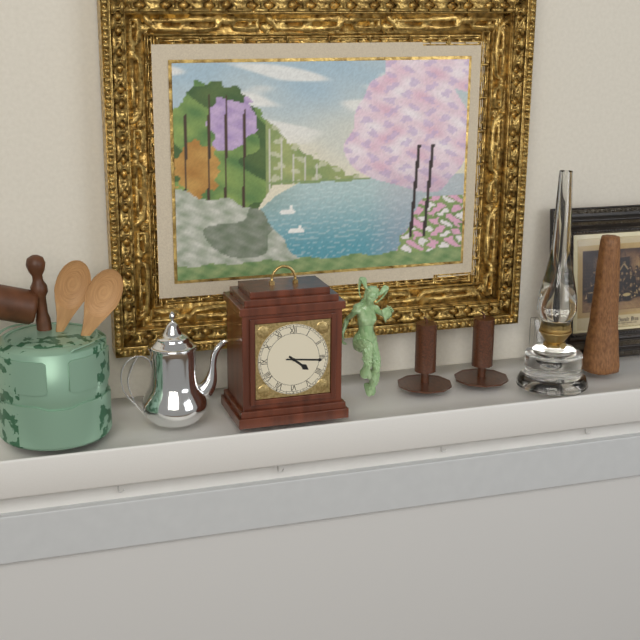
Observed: 4:16
